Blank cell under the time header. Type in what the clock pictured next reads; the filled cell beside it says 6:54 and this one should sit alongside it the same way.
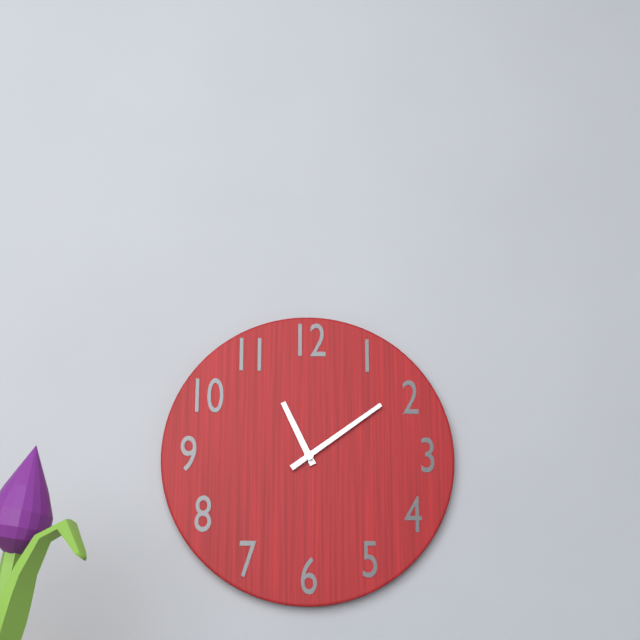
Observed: 11:09
